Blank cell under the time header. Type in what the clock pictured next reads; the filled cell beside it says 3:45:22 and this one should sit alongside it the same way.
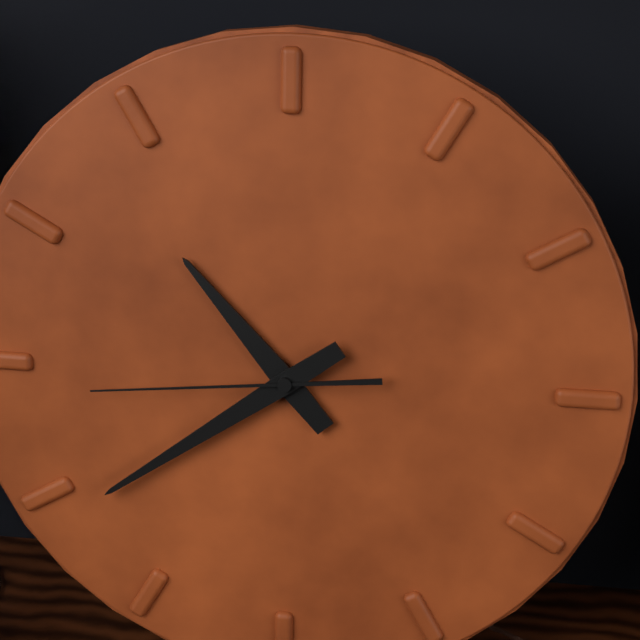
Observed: 10:39:44
